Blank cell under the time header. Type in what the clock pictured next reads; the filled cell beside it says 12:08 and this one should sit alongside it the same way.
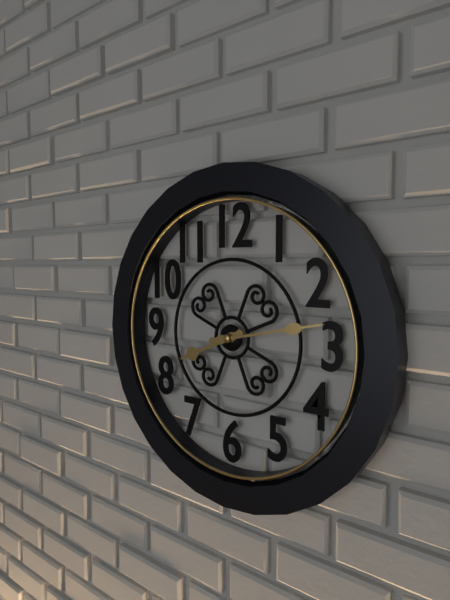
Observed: 8:13
